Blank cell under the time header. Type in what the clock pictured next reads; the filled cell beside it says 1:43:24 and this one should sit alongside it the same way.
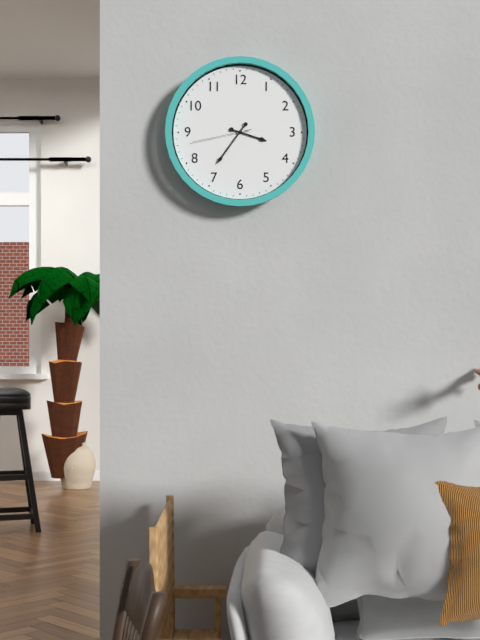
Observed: 3:36:43
